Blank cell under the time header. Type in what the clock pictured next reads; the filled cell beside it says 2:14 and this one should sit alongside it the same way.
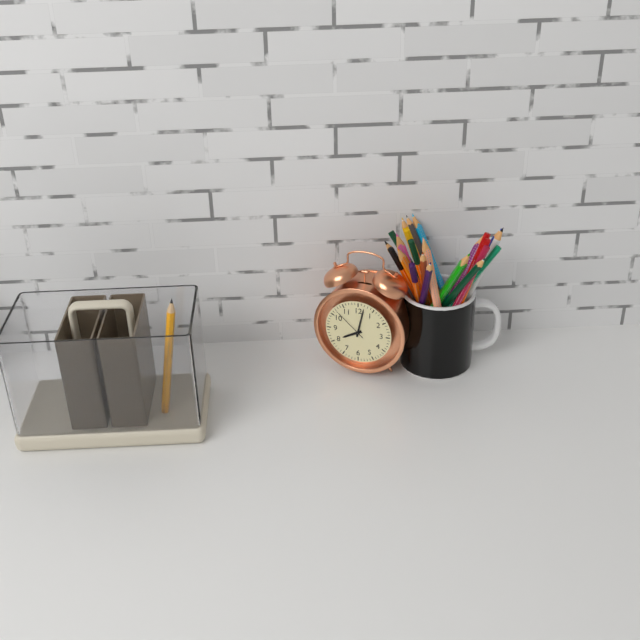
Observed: 8:02
